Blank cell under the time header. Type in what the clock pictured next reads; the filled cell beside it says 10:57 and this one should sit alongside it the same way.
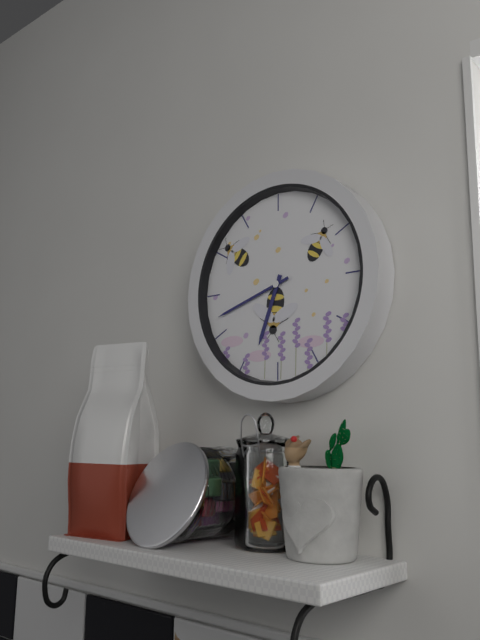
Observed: 6:42
